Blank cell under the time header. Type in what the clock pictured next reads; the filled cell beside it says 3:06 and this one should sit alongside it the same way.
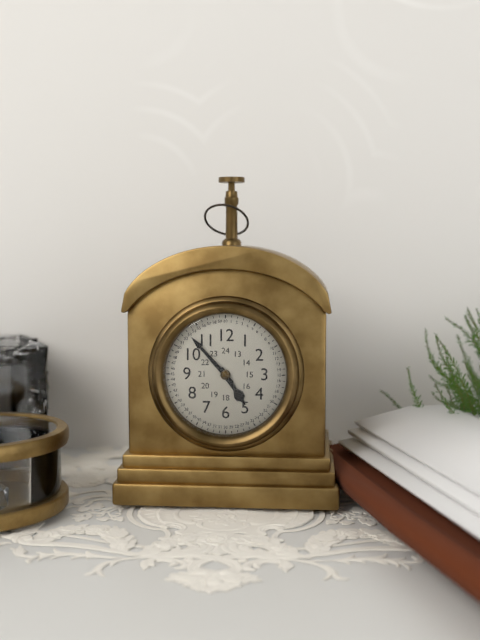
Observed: 4:53
